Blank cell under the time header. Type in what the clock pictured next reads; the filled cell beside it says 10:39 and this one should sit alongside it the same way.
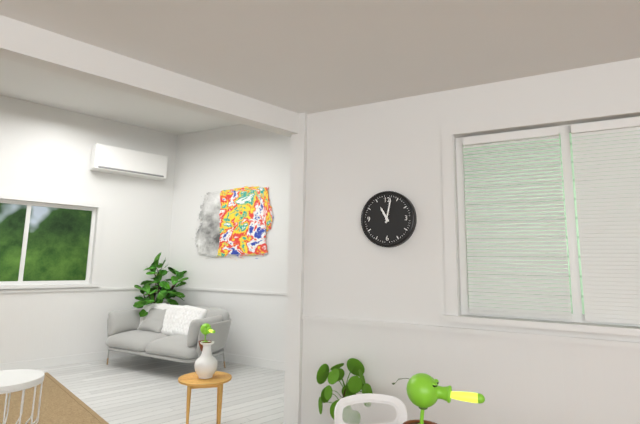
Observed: 11:02
